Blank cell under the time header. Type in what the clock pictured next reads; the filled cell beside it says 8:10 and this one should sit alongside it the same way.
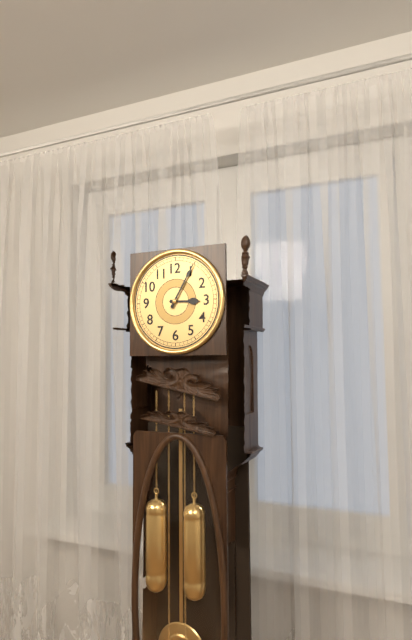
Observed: 3:05
